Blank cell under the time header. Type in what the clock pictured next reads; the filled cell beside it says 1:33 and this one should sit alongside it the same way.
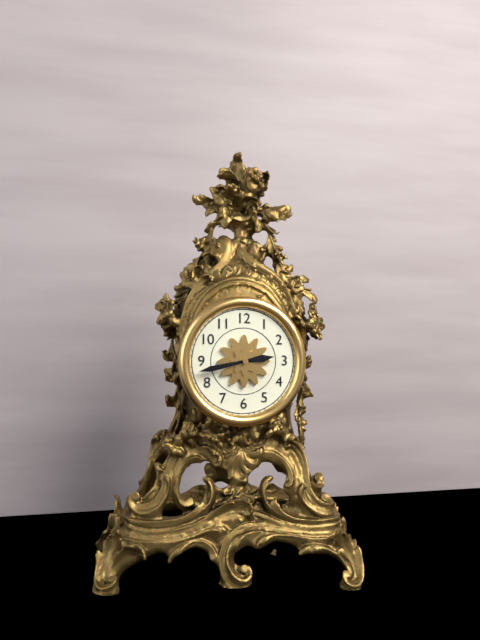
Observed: 2:43
